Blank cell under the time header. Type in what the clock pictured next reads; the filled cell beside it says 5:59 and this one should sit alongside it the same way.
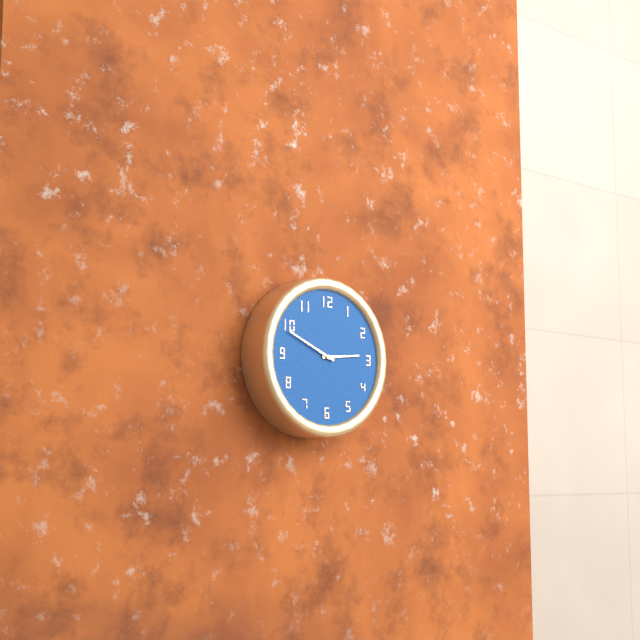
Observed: 2:49
